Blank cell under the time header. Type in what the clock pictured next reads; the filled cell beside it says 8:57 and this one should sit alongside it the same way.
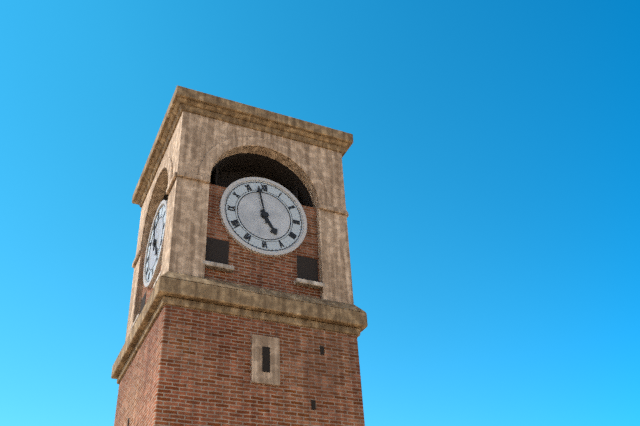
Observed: 4:58
